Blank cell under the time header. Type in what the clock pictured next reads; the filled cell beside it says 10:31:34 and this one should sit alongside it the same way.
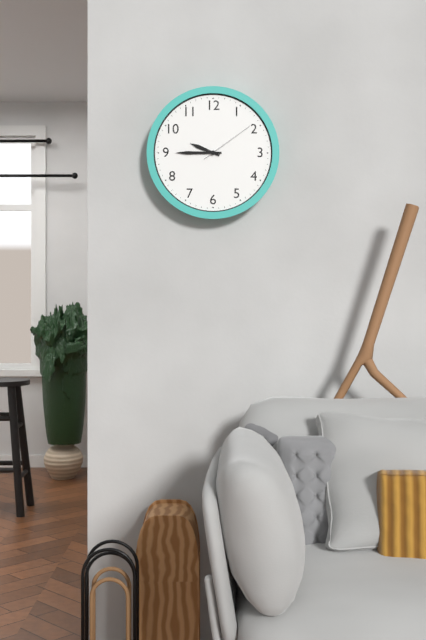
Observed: 9:45:09
